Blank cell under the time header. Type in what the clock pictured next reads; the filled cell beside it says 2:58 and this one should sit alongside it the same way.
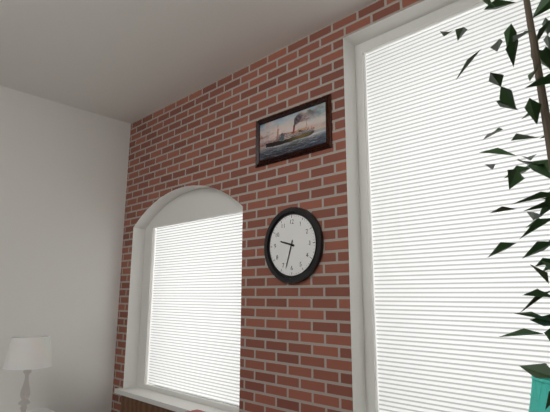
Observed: 9:33
